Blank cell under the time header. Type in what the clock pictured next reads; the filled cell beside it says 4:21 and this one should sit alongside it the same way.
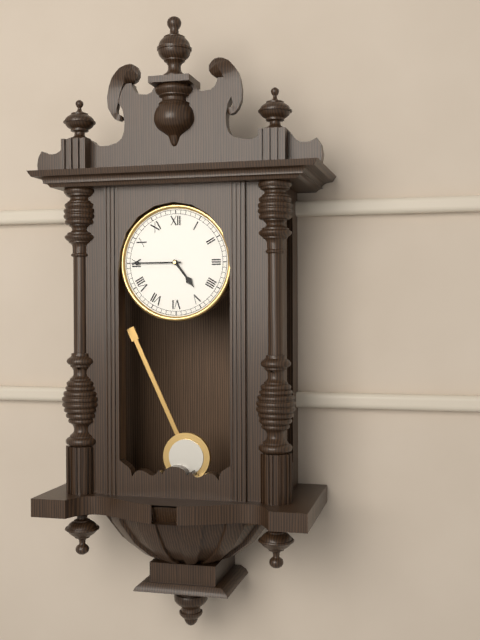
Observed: 4:45
